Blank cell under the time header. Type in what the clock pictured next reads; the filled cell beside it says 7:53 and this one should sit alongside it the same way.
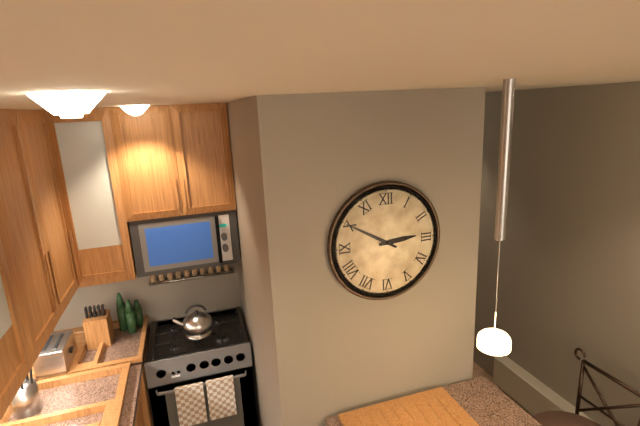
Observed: 2:50
